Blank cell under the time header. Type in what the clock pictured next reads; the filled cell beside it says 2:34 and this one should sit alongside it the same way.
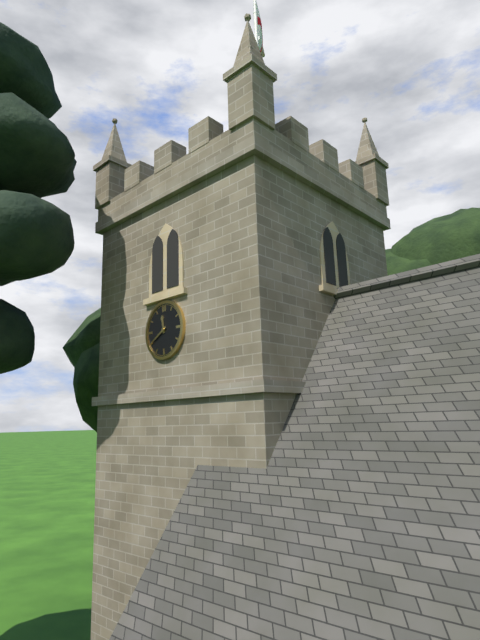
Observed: 11:40
